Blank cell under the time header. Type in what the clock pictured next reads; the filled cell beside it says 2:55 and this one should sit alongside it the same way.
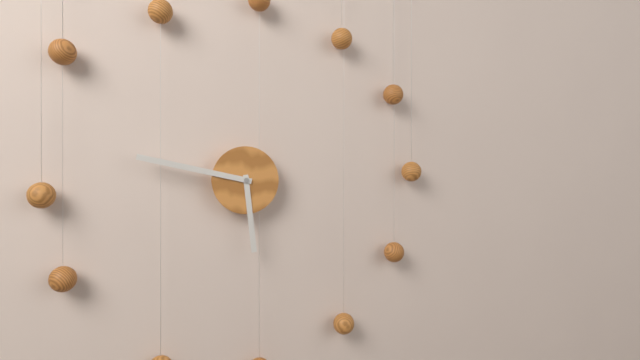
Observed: 5:47
